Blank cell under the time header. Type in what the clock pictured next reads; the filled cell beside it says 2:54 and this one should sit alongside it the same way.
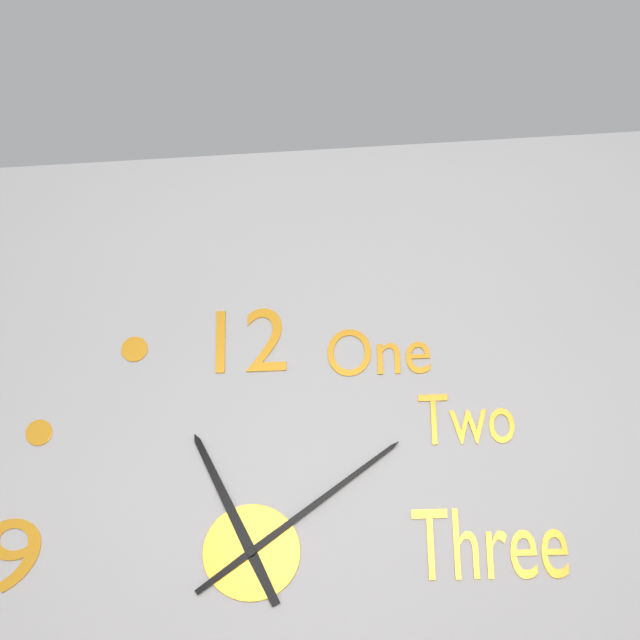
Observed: 11:09
